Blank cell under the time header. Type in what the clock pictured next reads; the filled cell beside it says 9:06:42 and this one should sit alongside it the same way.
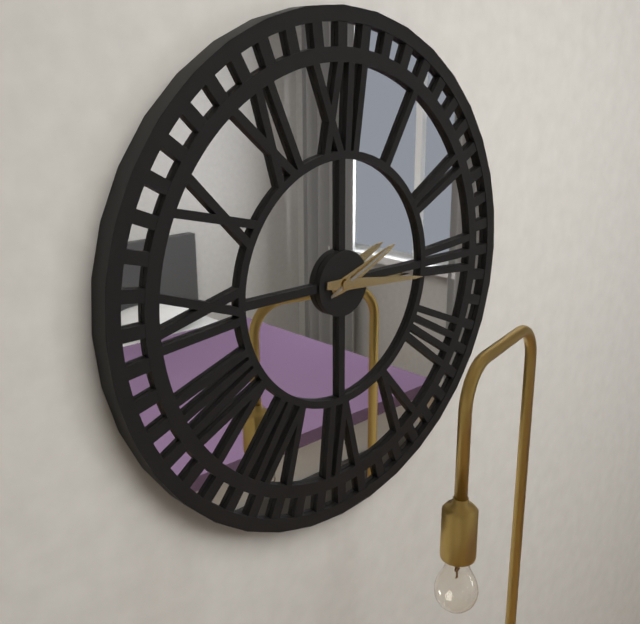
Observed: 2:16:11
